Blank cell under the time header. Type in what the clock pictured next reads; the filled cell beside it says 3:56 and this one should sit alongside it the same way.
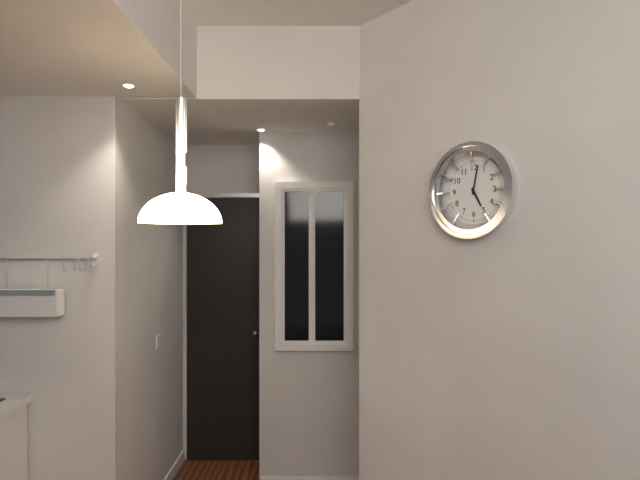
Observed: 5:02
